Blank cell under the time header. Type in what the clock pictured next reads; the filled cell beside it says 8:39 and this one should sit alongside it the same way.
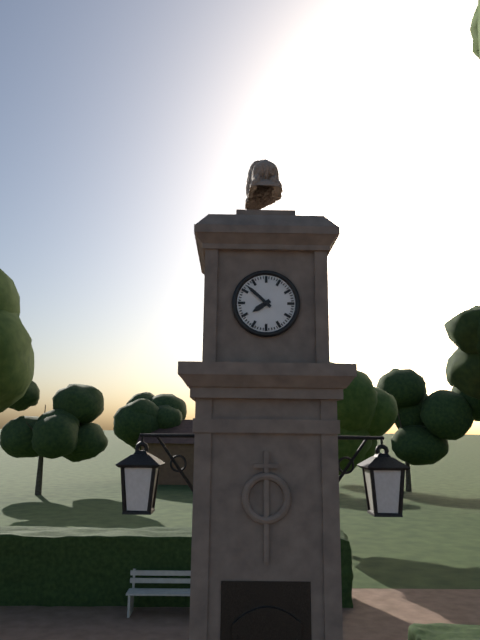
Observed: 7:52
